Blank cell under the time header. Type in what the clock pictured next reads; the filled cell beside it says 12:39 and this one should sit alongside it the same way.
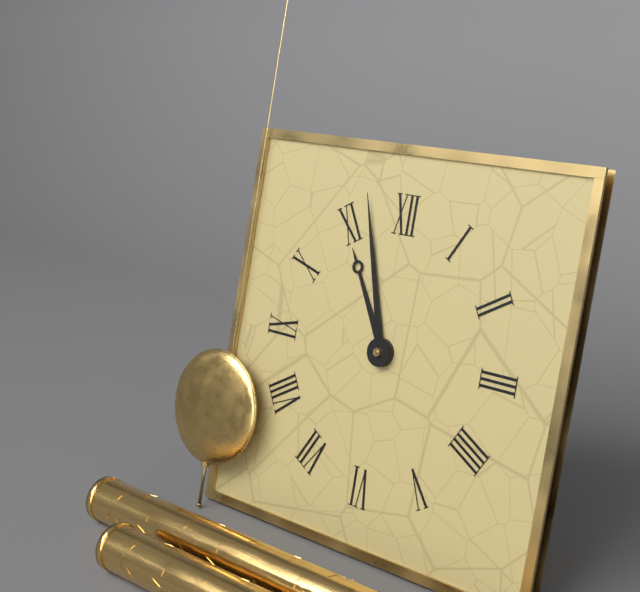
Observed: 10:57
